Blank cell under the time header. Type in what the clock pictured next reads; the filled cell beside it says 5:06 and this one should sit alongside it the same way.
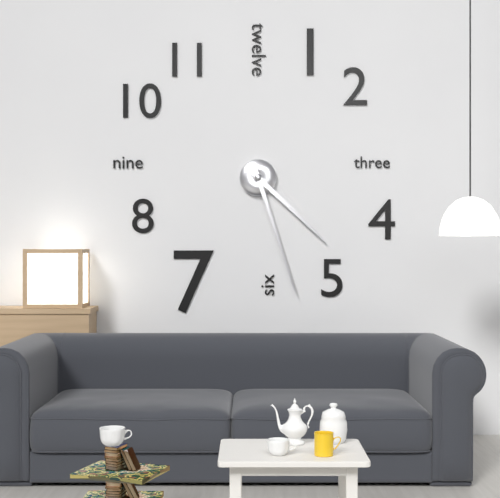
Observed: 4:27
